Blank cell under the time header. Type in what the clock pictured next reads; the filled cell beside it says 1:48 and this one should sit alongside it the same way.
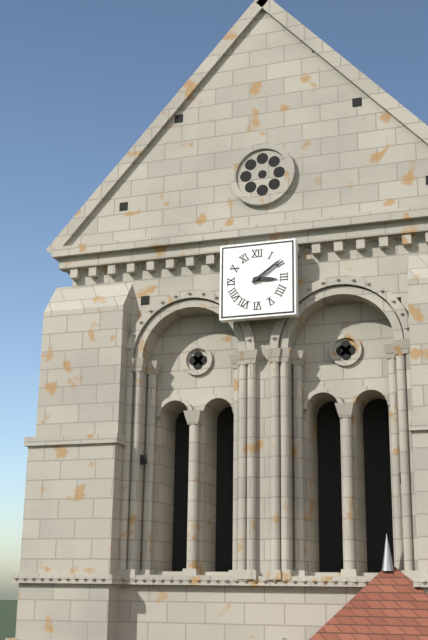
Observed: 3:09
